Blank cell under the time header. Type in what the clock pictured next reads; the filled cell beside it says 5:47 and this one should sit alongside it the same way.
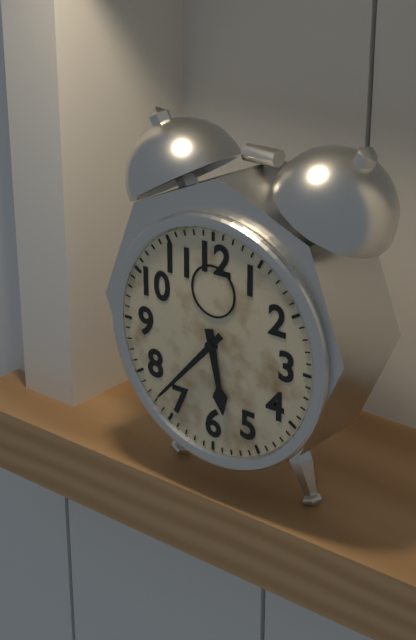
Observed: 5:37
